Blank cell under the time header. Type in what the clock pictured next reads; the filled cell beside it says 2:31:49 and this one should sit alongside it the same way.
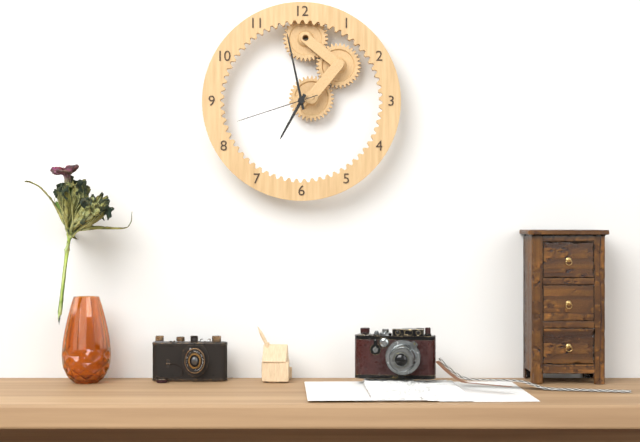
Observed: 6:58:42
